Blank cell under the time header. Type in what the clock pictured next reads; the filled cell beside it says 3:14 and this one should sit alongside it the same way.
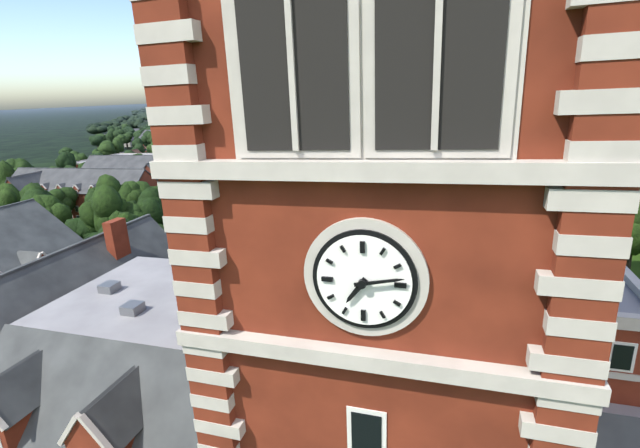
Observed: 7:13
